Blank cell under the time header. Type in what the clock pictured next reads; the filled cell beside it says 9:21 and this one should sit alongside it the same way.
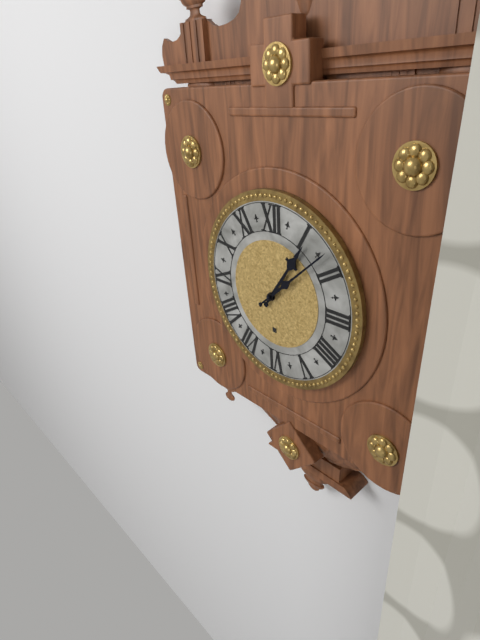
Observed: 1:08
